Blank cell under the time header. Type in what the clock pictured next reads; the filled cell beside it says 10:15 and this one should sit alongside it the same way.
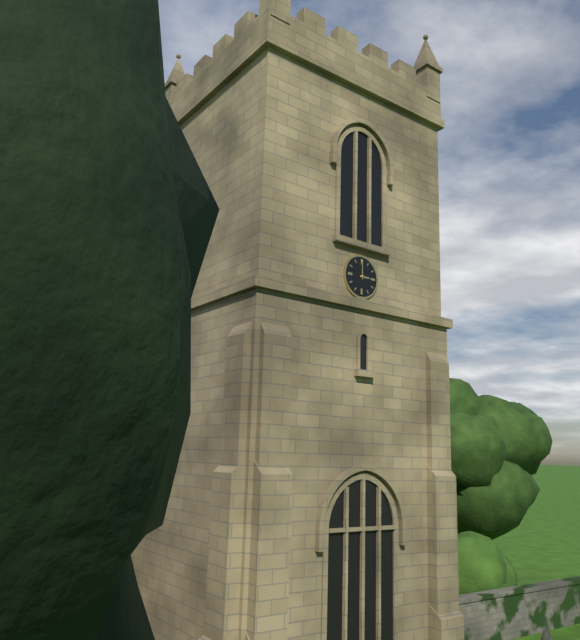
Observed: 3:00
